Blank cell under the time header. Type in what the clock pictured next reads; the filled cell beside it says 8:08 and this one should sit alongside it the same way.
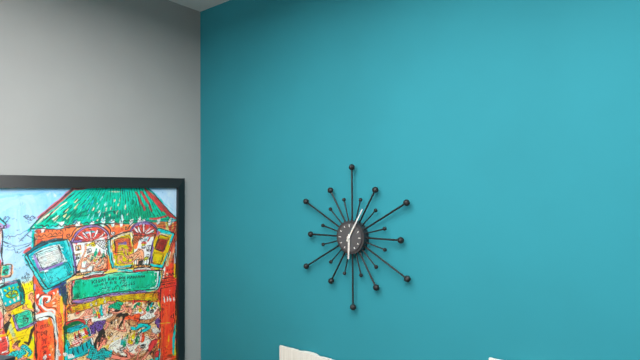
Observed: 6:05
